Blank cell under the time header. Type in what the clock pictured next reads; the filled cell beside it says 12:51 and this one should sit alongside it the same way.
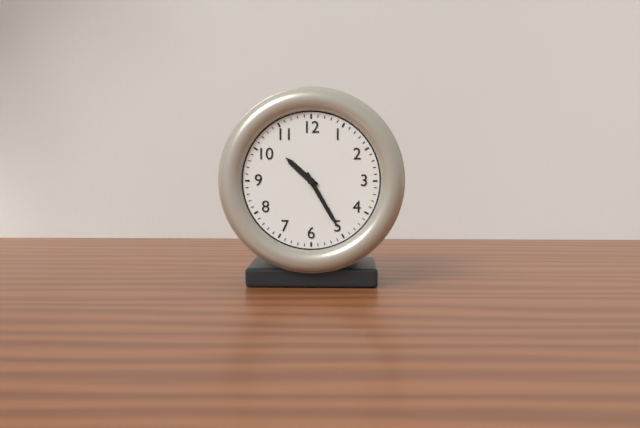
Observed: 10:25
